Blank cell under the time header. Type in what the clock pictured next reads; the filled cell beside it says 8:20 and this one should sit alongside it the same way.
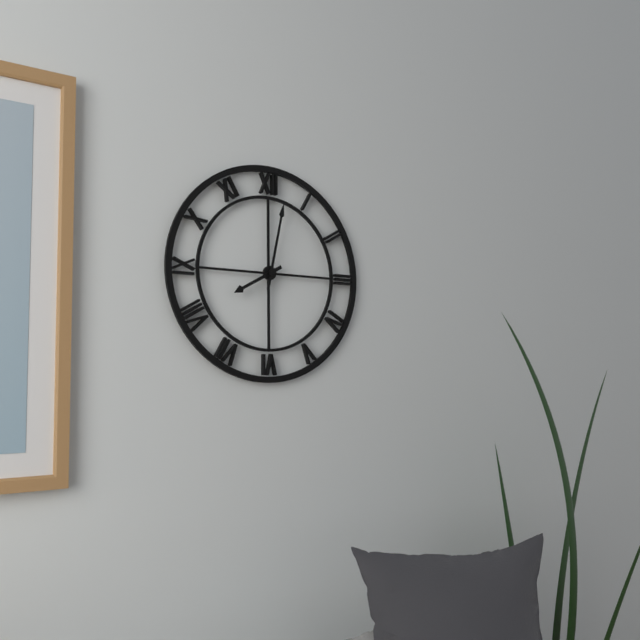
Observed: 8:02
